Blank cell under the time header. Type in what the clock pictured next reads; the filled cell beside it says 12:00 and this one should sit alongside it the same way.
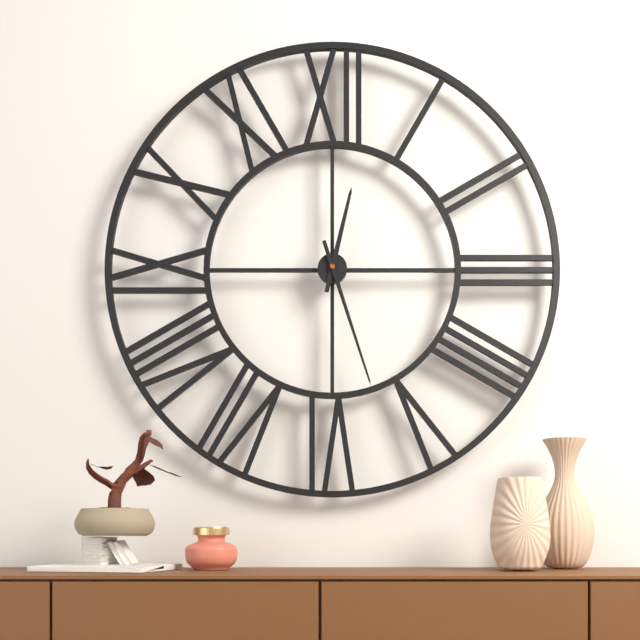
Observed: 12:27
